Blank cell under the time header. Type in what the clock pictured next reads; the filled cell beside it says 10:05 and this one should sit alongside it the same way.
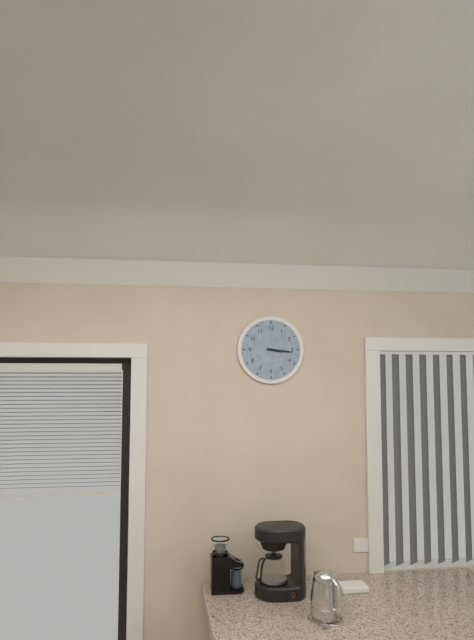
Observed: 3:16
